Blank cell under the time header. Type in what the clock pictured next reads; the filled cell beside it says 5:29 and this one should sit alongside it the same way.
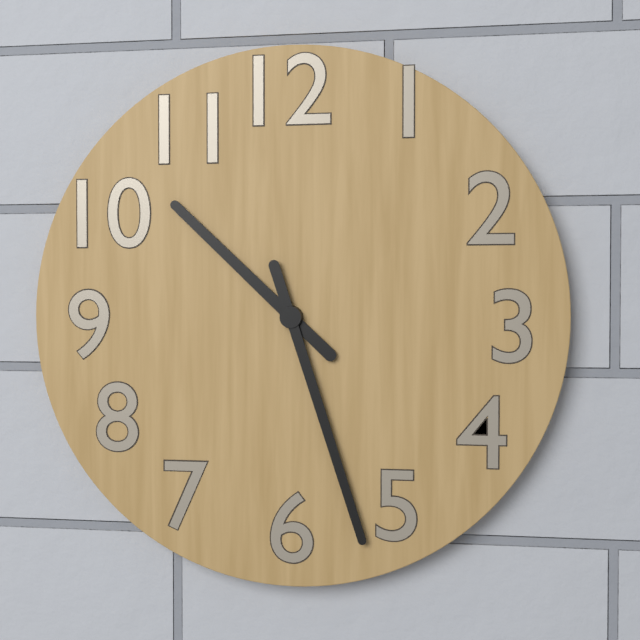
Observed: 10:27
